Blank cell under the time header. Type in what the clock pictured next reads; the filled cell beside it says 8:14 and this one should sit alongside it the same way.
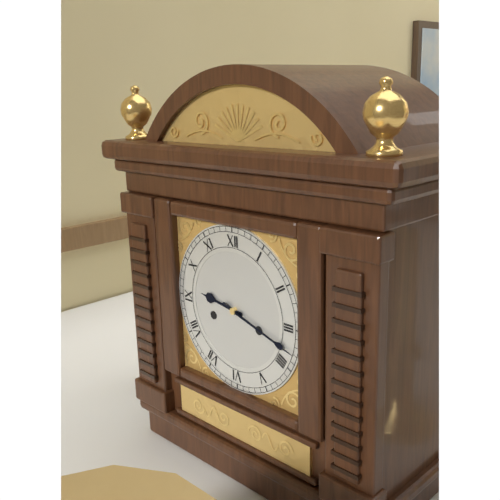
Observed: 9:18
